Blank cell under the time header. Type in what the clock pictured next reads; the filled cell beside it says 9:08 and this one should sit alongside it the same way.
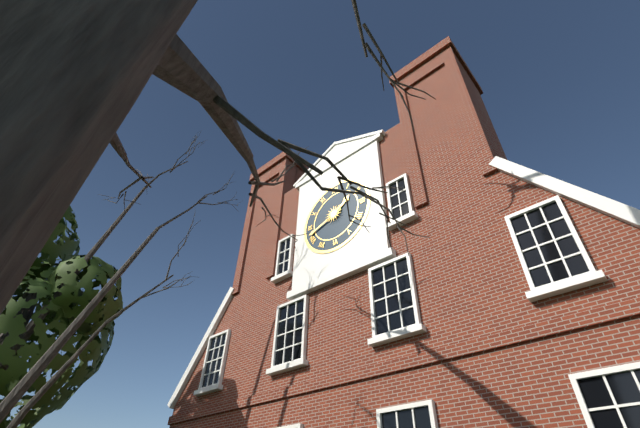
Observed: 1:42
